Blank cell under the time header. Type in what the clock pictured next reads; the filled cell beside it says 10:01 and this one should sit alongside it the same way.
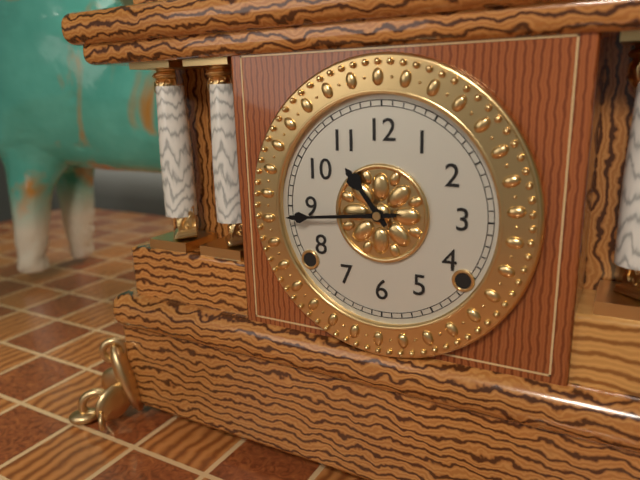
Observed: 10:44
